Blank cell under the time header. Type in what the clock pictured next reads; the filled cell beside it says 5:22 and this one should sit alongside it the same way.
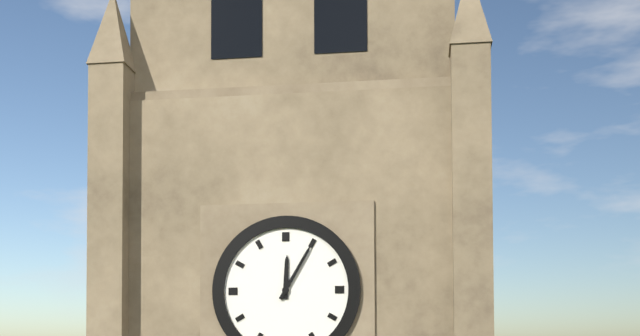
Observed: 12:05
